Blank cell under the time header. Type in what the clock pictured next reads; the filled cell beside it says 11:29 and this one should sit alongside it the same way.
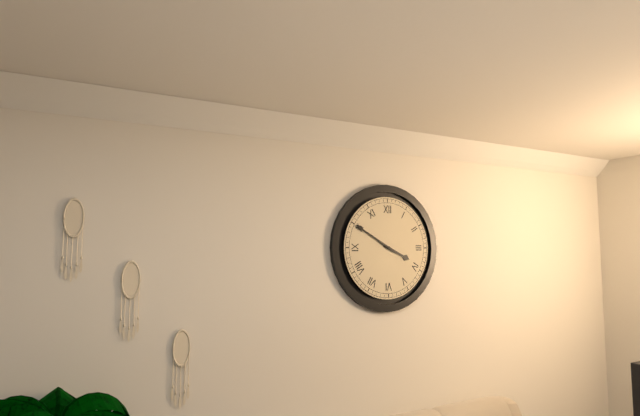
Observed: 3:50
